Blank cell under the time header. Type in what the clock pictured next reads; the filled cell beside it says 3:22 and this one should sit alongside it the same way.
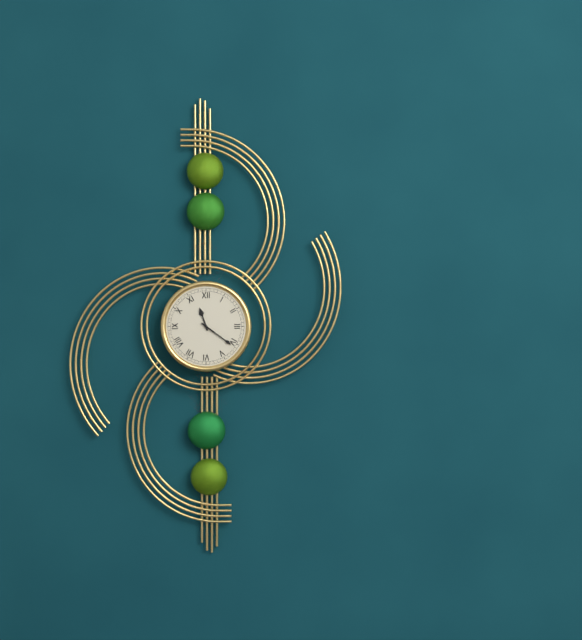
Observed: 11:21
